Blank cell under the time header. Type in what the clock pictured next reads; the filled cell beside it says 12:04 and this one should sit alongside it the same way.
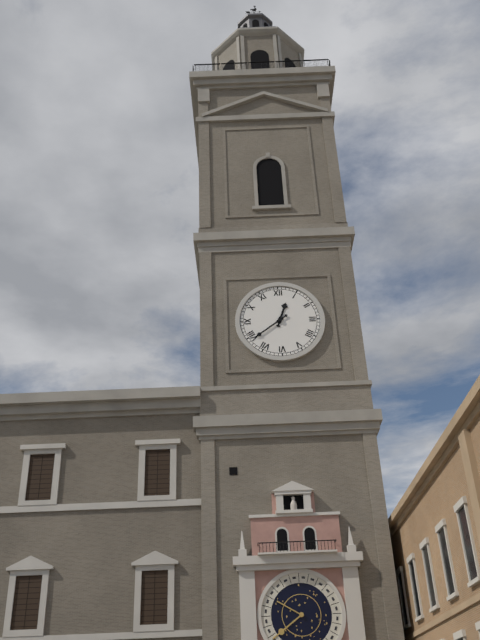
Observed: 12:39
